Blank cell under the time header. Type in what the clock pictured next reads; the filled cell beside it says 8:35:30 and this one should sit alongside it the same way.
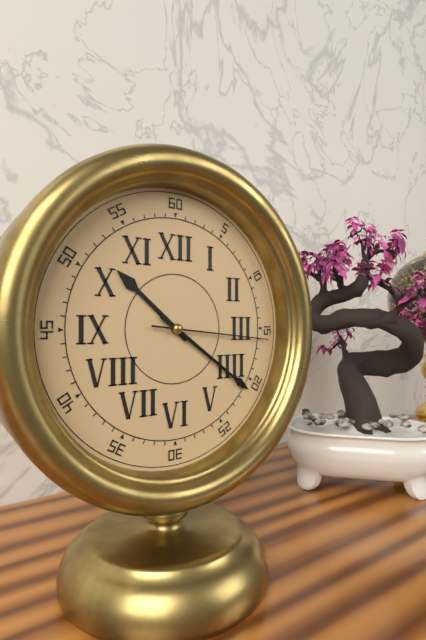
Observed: 10:21:16
